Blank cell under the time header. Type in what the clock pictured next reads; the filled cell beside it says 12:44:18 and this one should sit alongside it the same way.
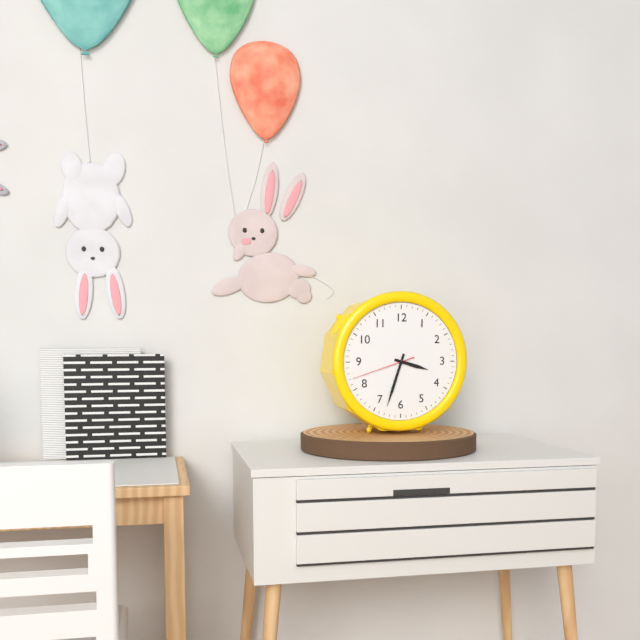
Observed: 3:33:42
